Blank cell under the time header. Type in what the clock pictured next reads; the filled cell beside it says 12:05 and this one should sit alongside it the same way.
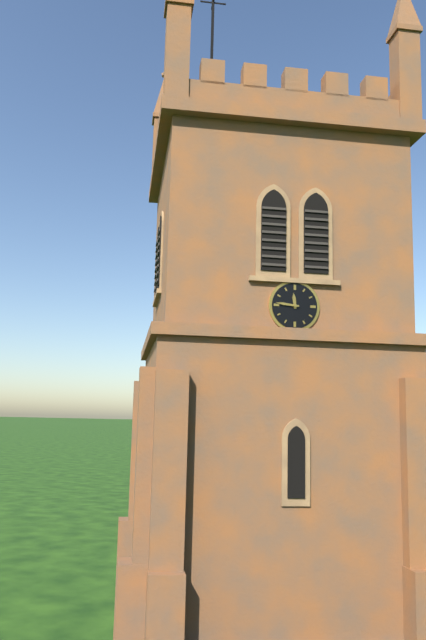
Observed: 11:46
